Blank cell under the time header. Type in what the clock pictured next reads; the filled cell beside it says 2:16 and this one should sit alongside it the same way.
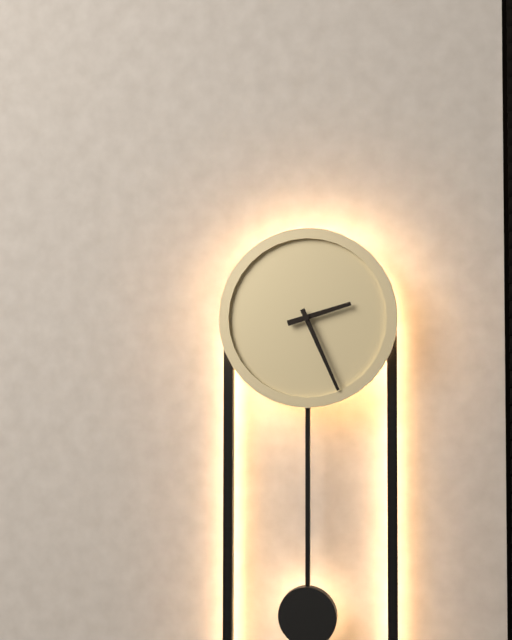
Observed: 2:26
